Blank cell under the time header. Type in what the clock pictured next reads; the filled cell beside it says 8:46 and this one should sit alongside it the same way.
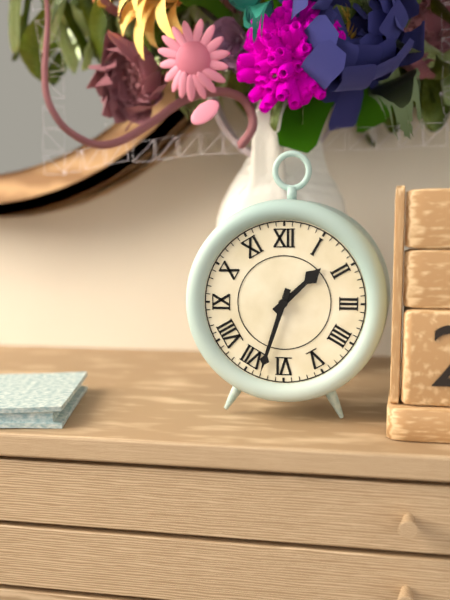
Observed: 1:33
